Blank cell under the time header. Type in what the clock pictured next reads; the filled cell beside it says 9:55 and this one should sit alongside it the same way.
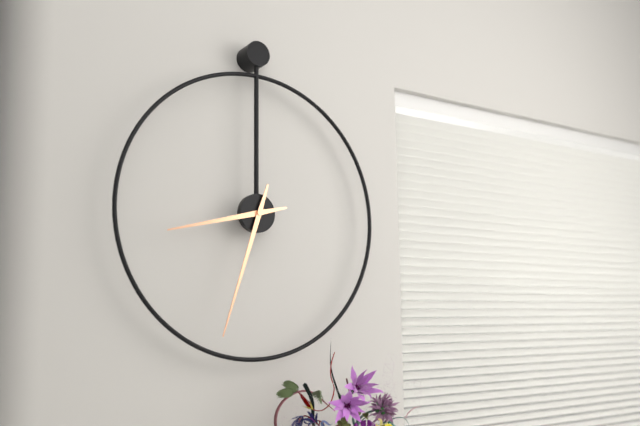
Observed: 8:33
